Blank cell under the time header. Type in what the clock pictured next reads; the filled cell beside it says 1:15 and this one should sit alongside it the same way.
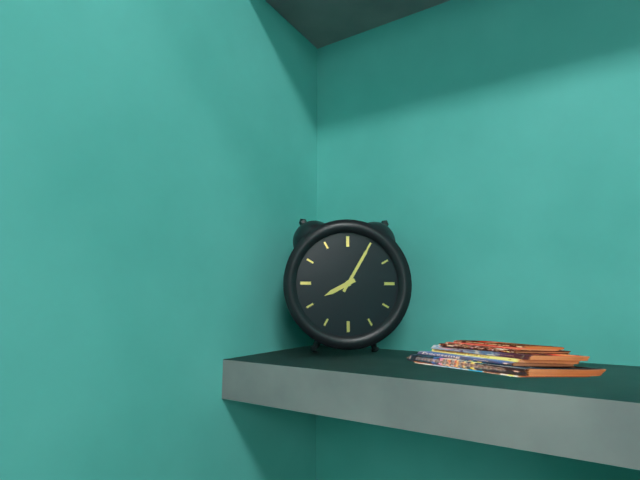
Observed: 8:05
